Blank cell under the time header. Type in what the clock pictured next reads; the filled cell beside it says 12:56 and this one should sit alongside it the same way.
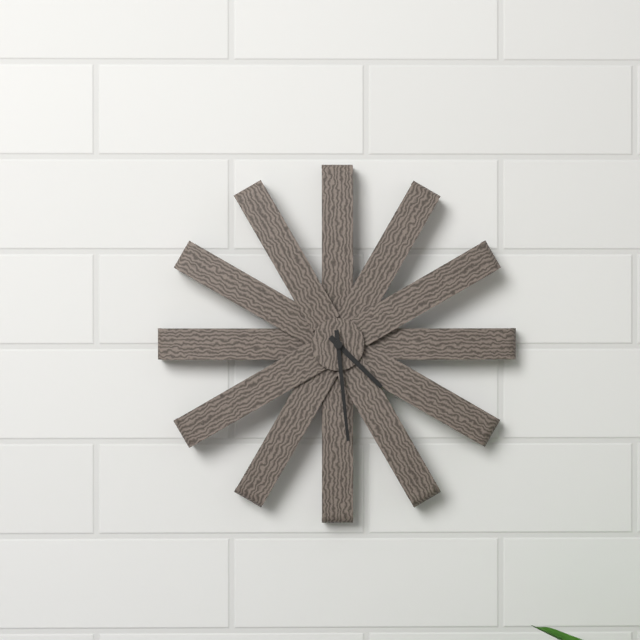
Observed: 4:29
